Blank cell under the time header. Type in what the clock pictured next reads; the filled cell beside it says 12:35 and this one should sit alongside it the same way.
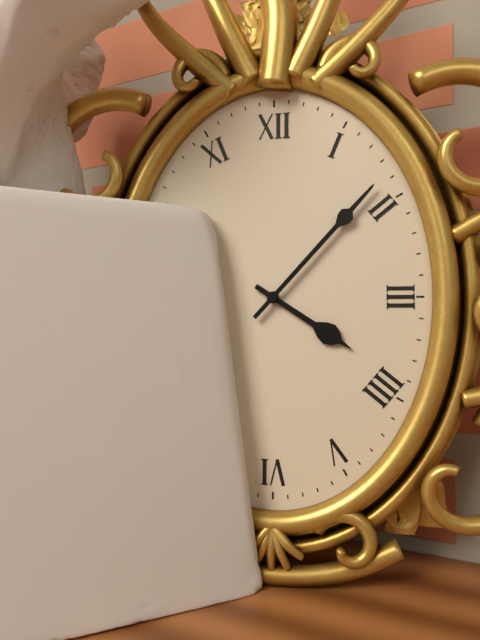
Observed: 4:07
